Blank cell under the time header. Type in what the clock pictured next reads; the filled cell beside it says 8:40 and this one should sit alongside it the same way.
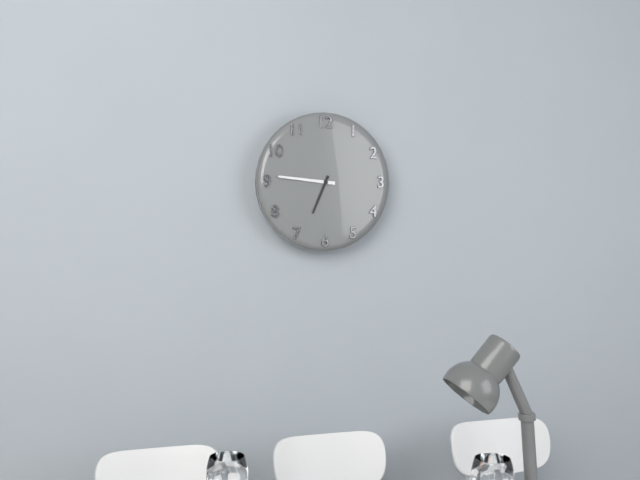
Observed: 6:46
